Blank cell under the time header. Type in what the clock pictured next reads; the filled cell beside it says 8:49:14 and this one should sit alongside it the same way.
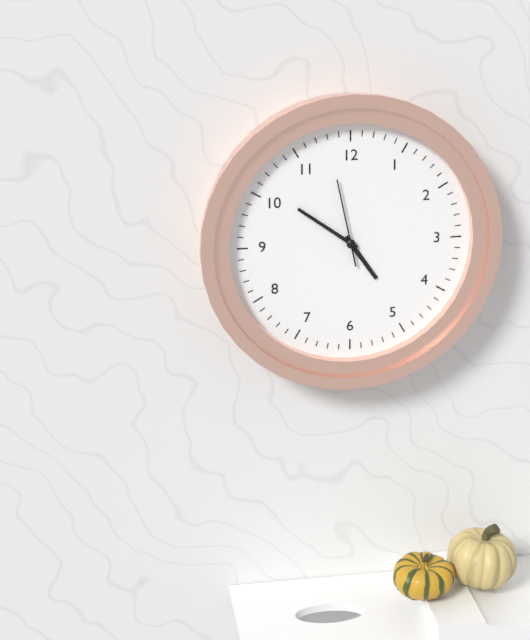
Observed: 4:51:58
